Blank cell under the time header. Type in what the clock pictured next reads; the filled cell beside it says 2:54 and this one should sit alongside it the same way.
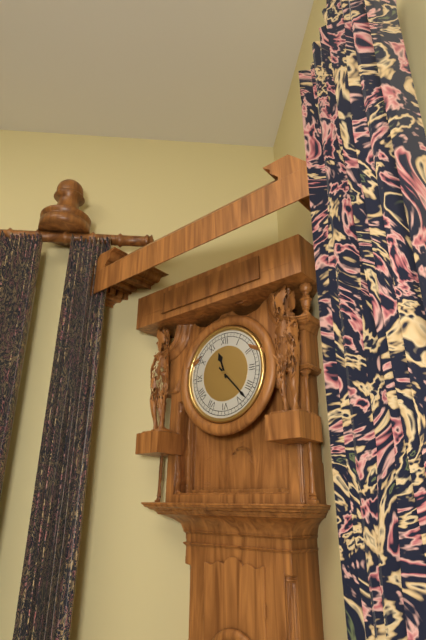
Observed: 11:23
